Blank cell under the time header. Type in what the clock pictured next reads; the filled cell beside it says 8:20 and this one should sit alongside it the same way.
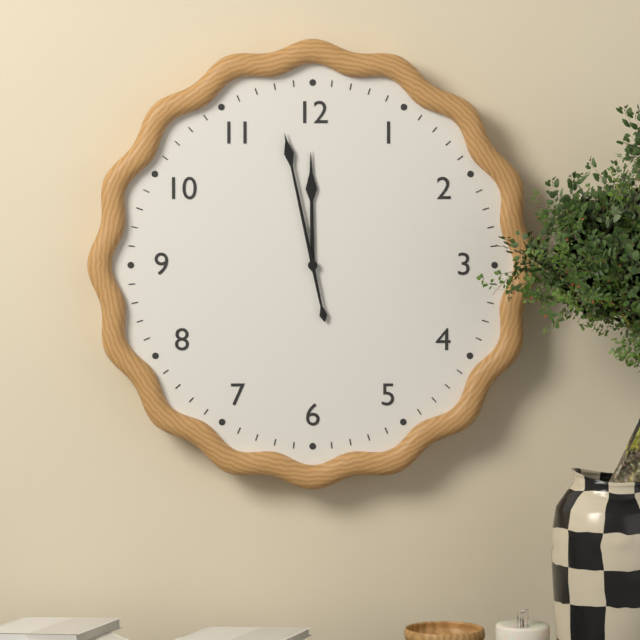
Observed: 11:58
